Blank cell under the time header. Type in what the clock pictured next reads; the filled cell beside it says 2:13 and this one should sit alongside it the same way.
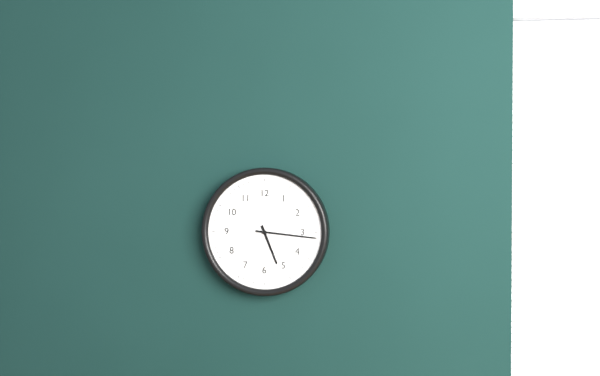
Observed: 5:16
